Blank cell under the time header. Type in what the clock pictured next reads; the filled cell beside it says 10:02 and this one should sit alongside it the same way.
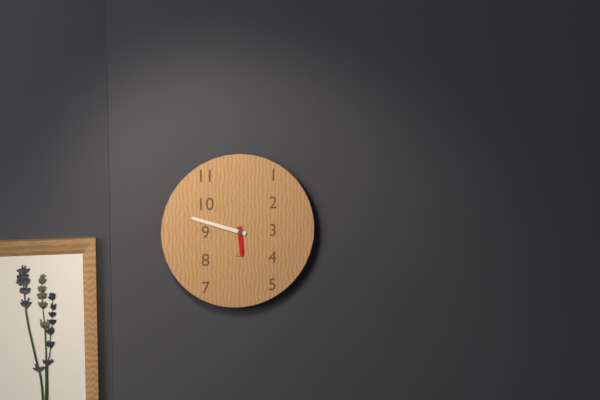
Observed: 5:48
